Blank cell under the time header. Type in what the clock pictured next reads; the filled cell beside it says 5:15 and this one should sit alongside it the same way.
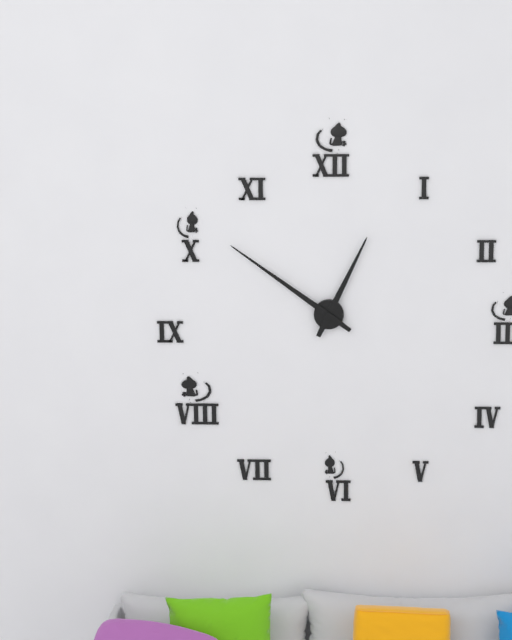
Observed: 12:51
